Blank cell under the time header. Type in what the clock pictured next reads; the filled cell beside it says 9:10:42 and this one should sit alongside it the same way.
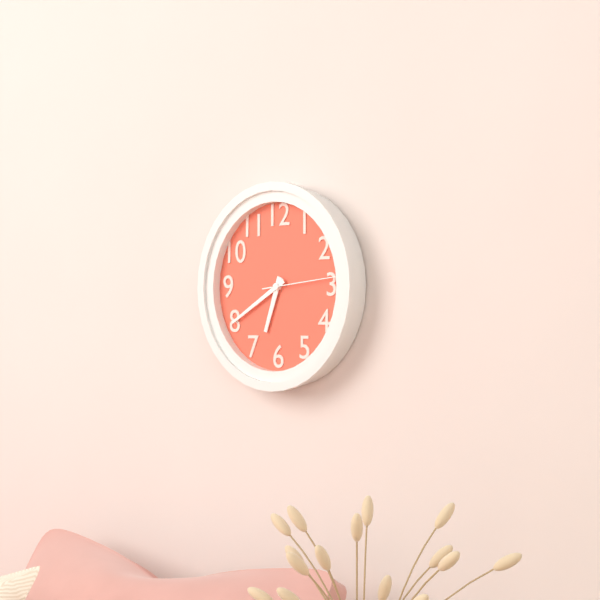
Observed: 6:40:14
